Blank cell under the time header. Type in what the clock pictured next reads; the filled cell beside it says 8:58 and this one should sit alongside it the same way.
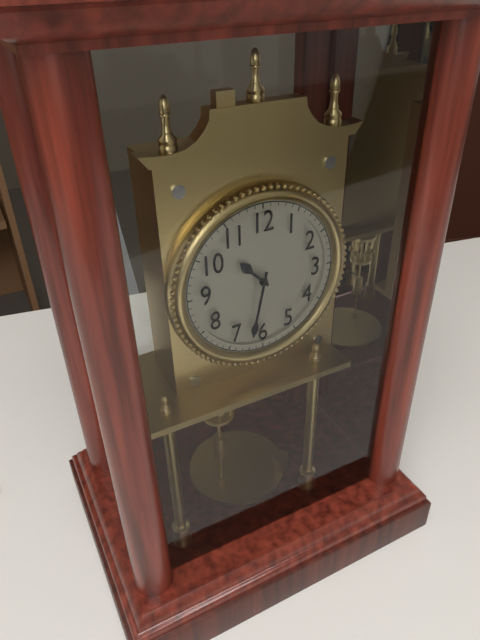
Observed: 10:32
